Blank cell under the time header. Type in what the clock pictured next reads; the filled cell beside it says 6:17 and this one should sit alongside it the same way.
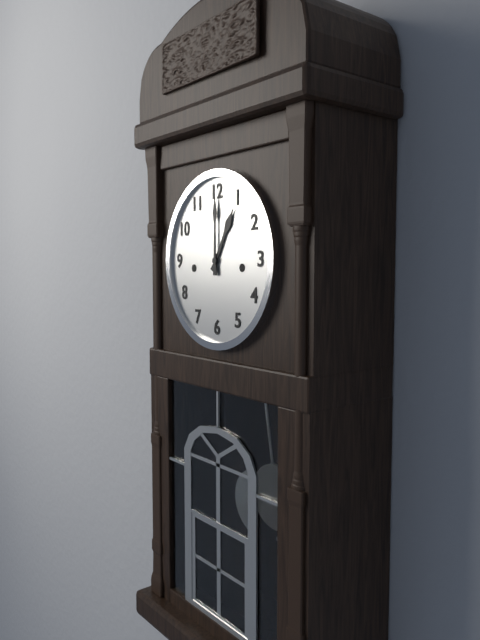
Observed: 1:00
